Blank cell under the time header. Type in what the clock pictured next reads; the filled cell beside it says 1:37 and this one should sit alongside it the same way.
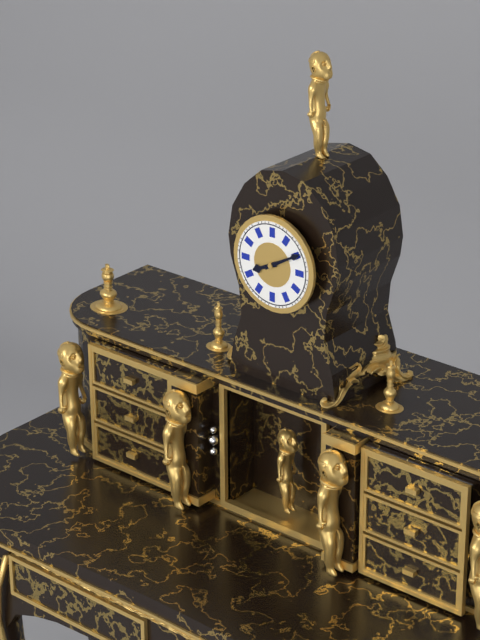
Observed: 8:10
